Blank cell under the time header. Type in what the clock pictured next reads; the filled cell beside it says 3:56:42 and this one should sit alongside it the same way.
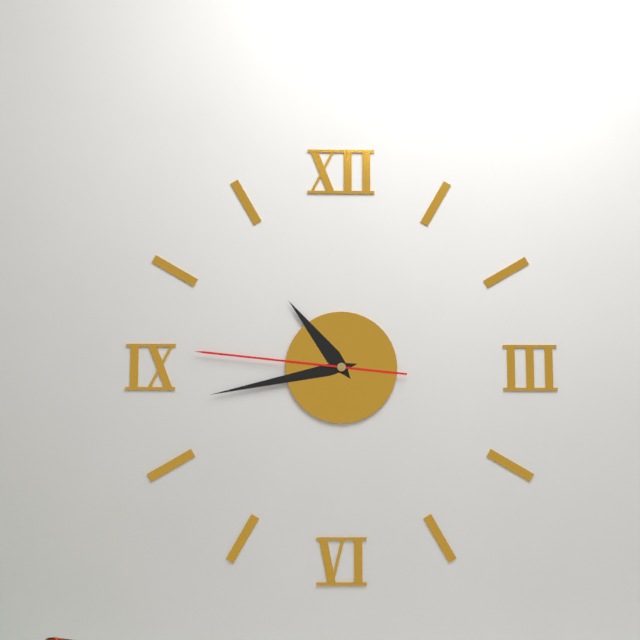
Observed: 10:43:46
